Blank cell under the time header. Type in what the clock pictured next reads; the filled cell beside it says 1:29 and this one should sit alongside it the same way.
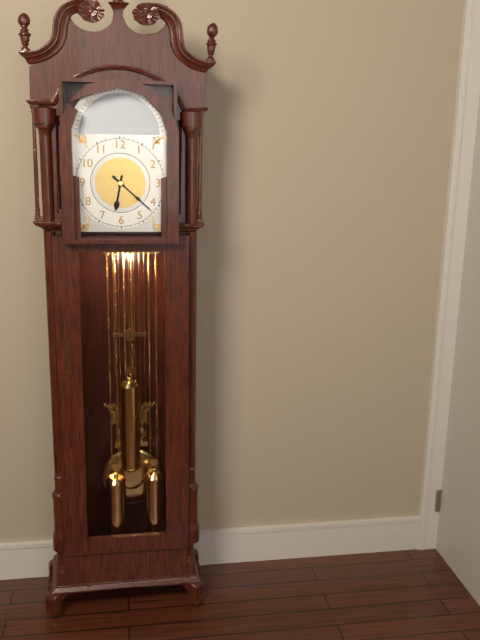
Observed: 6:22
